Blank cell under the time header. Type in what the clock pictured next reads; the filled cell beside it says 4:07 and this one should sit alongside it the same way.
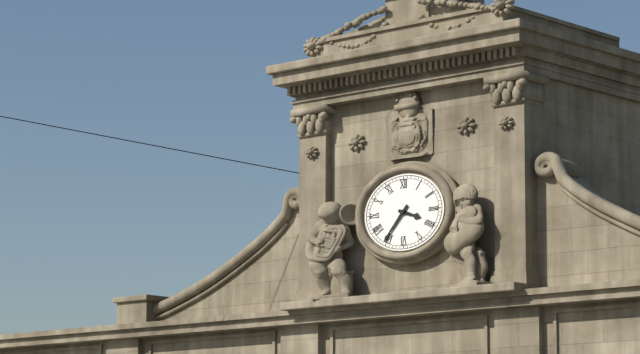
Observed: 3:37
